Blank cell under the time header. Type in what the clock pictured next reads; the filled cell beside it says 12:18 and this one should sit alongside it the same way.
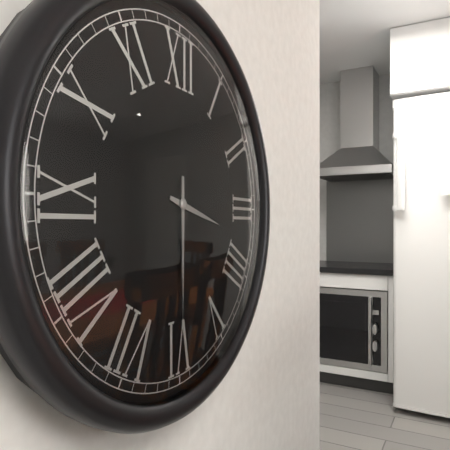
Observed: 3:30
